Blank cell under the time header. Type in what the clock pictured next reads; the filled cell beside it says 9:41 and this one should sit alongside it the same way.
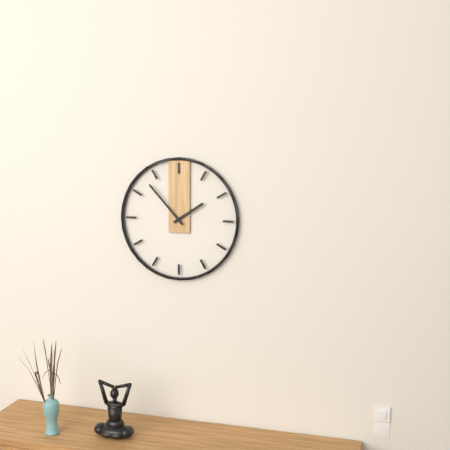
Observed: 1:53
